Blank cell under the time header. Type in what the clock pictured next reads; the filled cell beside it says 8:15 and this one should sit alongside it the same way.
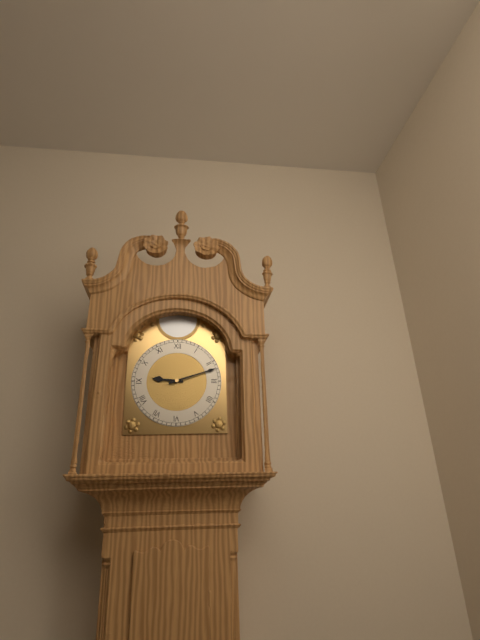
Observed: 9:12
